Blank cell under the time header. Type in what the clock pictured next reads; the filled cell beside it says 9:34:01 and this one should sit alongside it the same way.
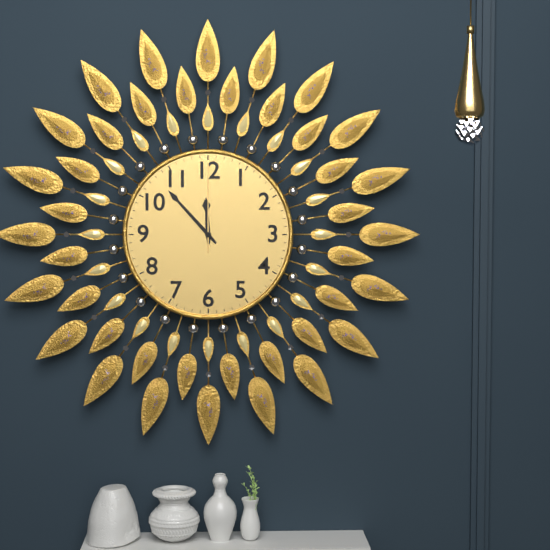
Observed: 11:53:00
